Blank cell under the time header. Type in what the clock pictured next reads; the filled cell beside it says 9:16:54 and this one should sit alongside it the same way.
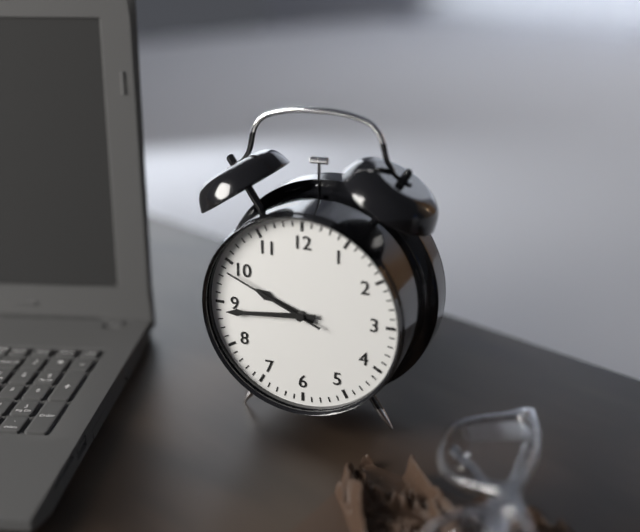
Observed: 9:44:49
